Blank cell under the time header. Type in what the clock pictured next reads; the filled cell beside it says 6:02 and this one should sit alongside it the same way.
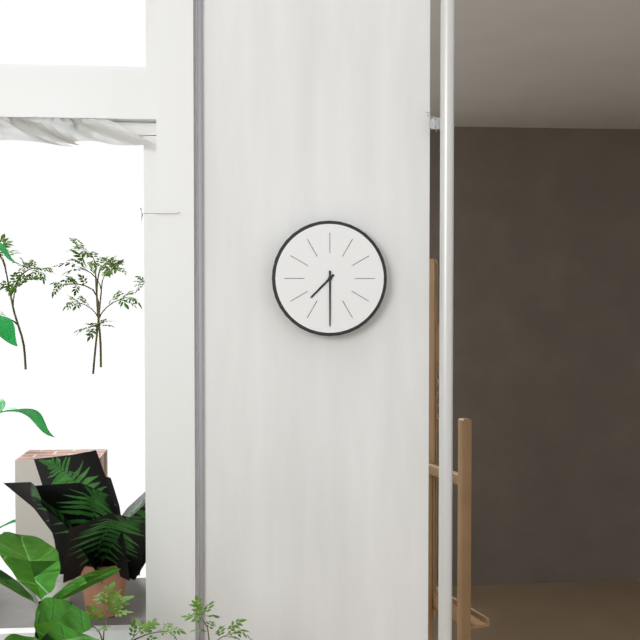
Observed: 7:30
